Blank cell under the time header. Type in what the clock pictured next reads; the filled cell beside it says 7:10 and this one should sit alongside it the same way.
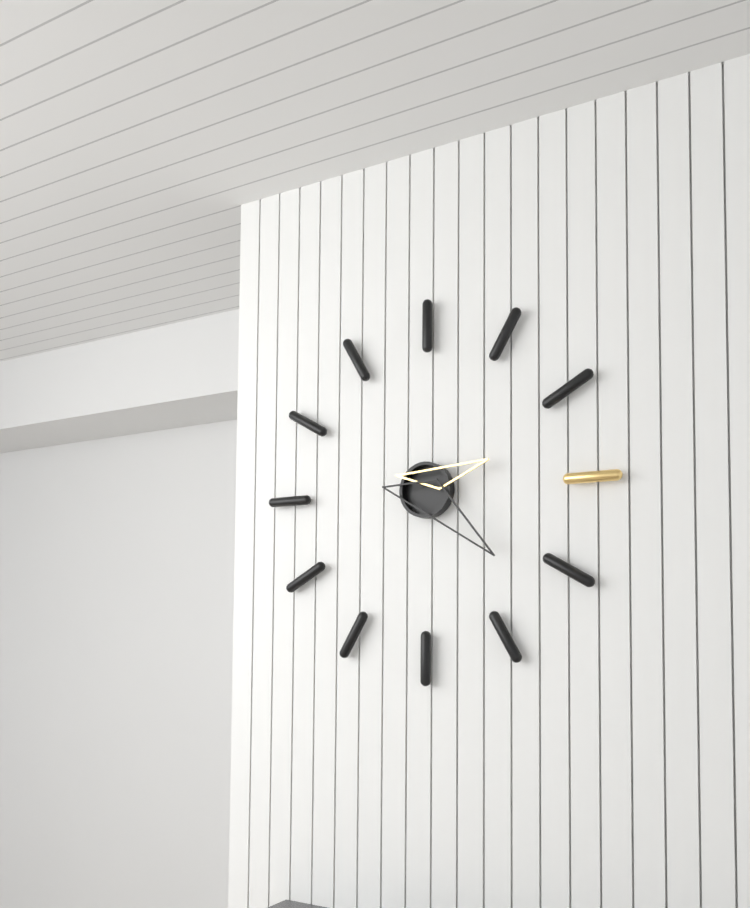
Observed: 2:22
